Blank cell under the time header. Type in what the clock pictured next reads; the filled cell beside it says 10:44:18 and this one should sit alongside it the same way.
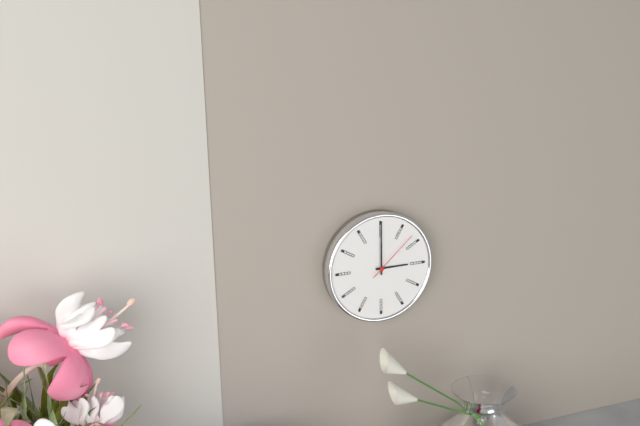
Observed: 3:00:08
